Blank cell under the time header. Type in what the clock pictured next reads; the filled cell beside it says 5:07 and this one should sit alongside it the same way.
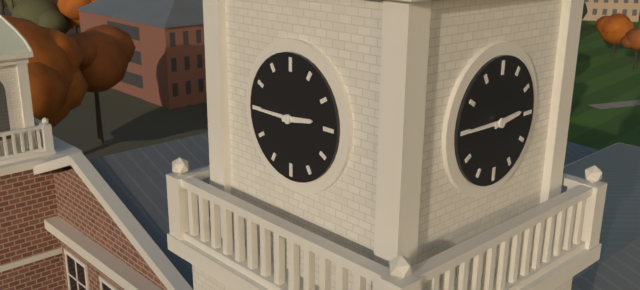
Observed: 2:45
